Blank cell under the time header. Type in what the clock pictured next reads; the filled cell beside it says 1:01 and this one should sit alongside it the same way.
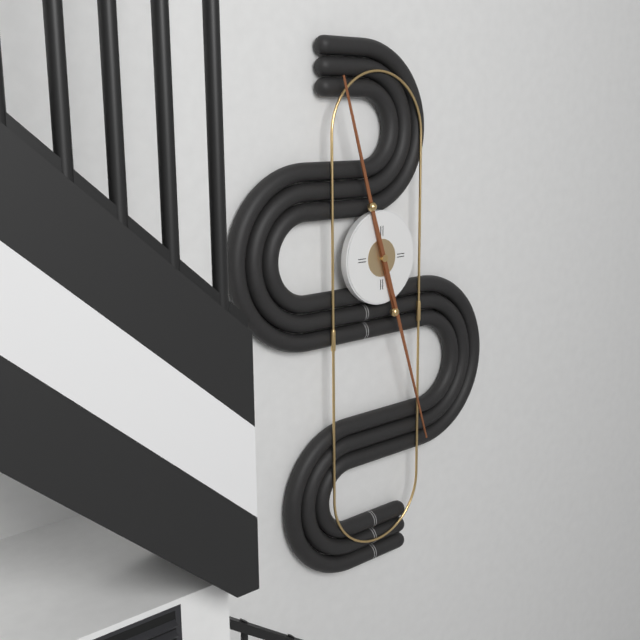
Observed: 11:27
